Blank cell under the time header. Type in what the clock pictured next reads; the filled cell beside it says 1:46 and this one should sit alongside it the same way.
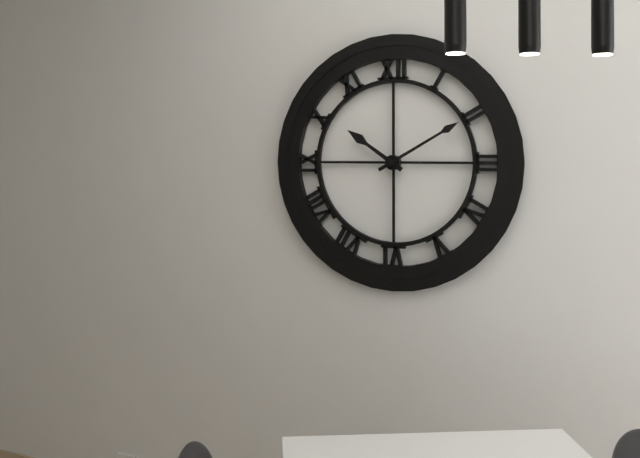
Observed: 10:10
